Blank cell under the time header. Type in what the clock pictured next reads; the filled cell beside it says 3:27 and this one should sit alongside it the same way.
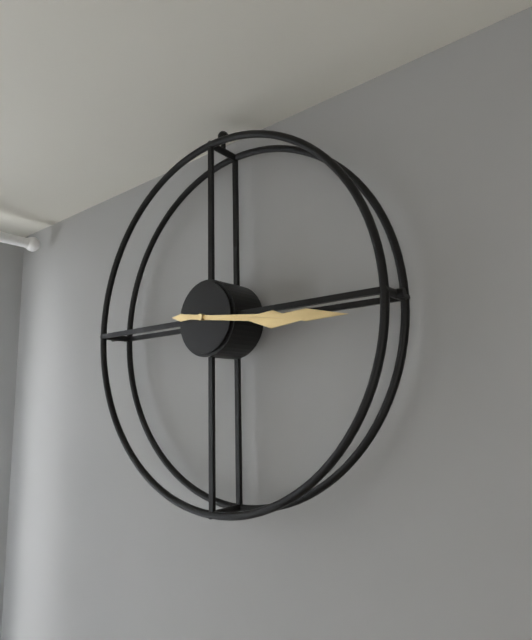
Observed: 3:16
